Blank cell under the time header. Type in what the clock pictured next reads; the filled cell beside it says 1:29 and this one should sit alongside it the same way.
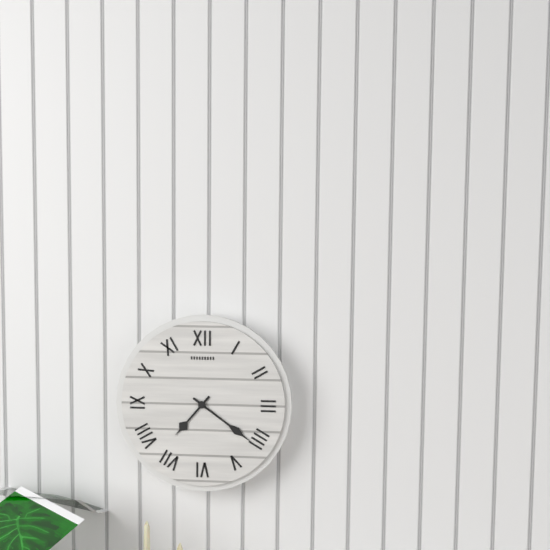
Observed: 7:21
